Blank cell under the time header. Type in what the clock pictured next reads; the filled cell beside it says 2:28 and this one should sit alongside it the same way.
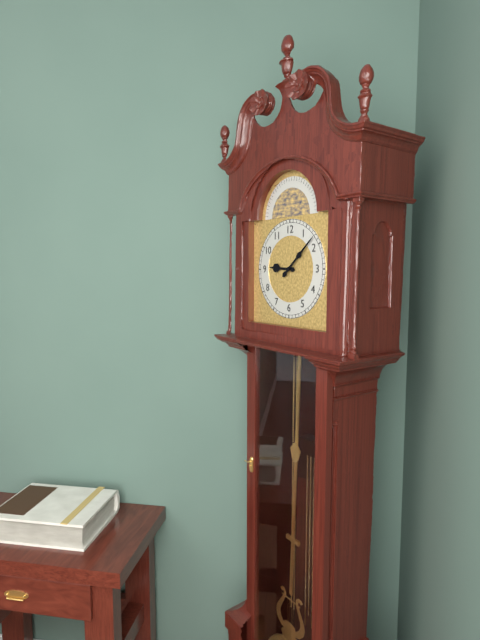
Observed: 9:08
